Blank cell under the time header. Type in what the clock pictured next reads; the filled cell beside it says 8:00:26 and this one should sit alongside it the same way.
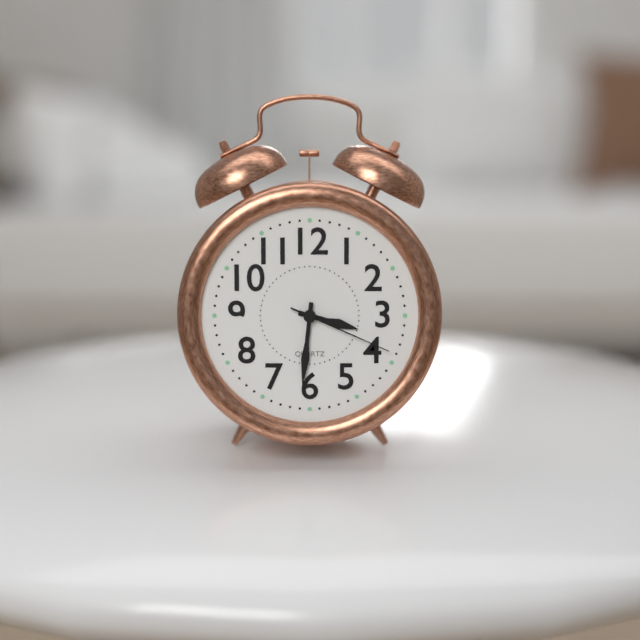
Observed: 3:31:19
